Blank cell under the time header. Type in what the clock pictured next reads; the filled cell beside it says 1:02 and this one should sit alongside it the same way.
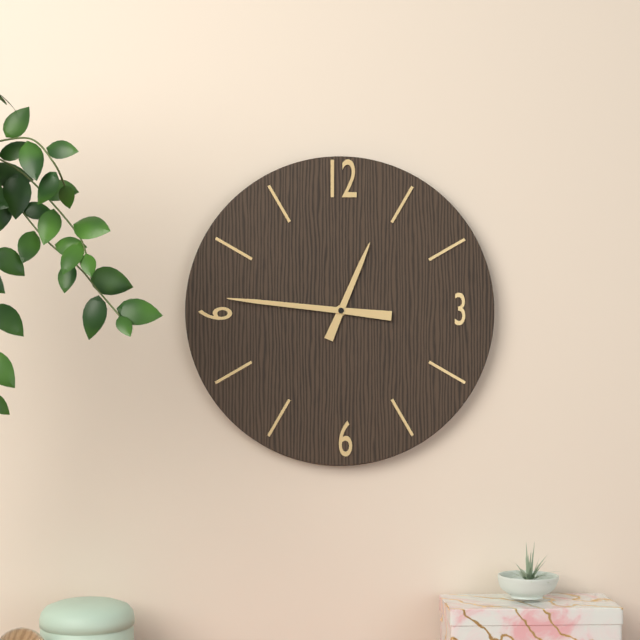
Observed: 12:46
